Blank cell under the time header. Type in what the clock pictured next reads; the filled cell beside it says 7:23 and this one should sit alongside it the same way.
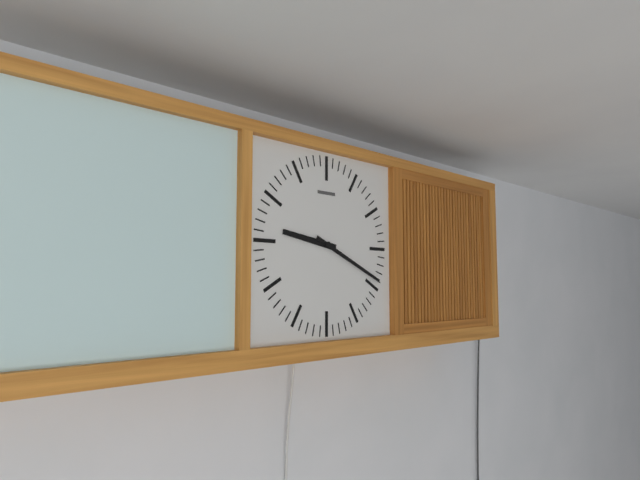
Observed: 9:19
